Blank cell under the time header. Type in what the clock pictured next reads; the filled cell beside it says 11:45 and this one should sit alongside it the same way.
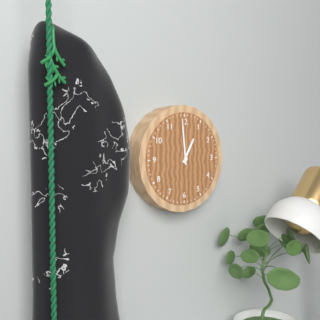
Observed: 12:59
